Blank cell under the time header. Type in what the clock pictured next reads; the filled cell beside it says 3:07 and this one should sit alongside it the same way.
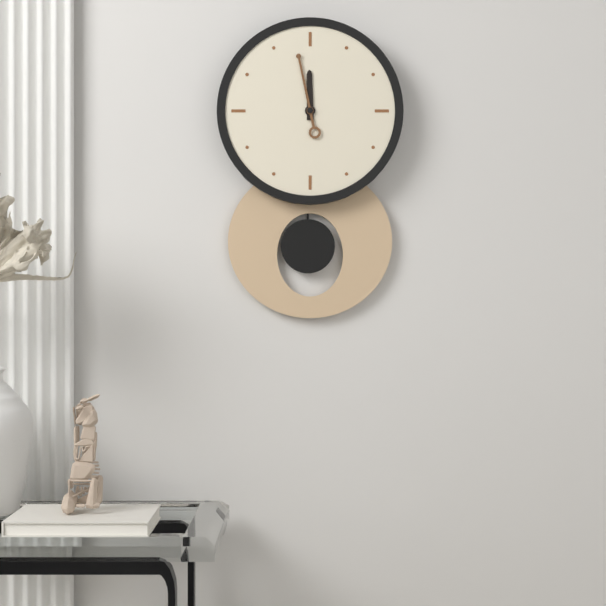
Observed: 11:58
